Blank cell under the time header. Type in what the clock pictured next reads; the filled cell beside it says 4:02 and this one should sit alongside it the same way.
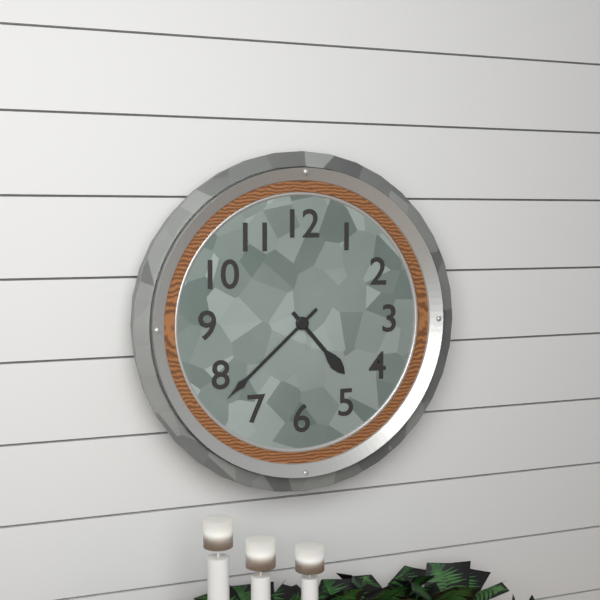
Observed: 4:38
